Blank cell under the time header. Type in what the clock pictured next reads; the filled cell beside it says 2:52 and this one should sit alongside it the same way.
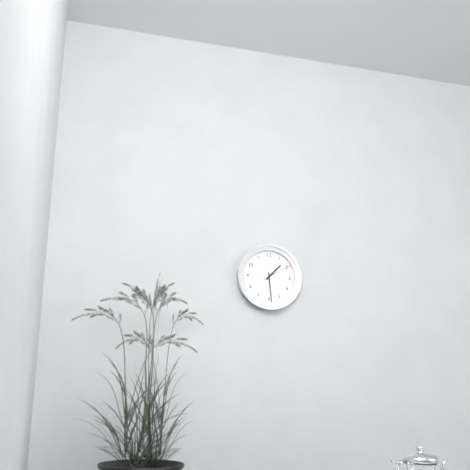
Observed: 1:29
